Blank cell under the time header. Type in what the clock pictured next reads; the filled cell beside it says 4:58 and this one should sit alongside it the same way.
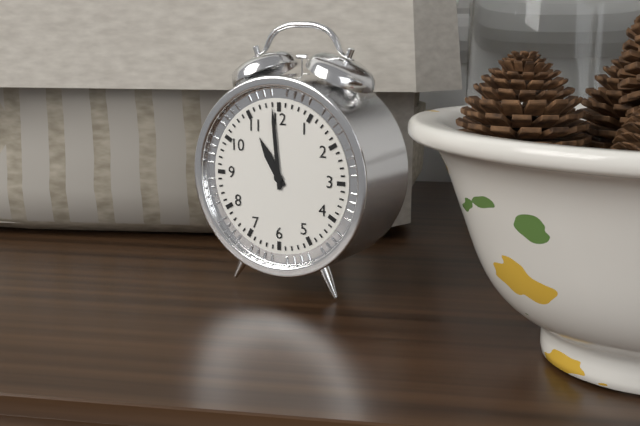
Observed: 10:59
